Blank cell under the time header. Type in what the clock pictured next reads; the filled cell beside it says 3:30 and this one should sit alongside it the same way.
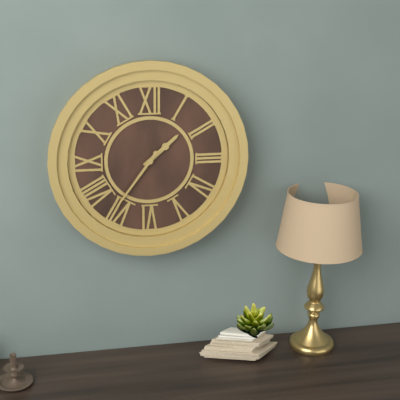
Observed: 1:36
